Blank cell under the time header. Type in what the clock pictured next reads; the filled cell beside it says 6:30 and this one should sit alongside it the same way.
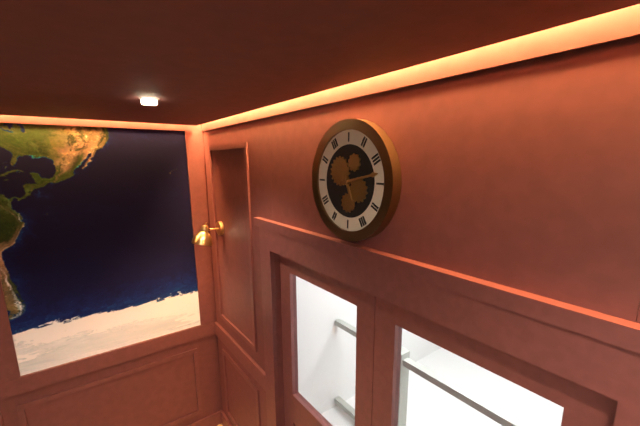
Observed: 5:13
